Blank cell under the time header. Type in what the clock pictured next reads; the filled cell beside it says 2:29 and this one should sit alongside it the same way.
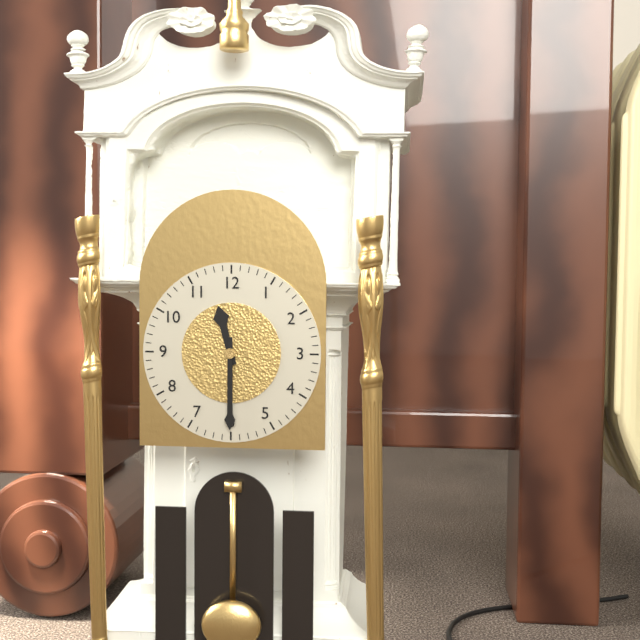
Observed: 11:30
